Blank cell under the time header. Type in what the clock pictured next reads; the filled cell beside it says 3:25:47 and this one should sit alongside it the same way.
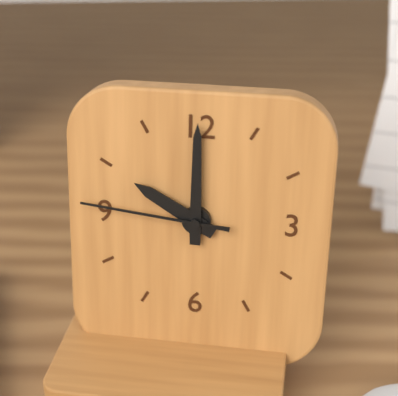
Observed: 10:00:46
